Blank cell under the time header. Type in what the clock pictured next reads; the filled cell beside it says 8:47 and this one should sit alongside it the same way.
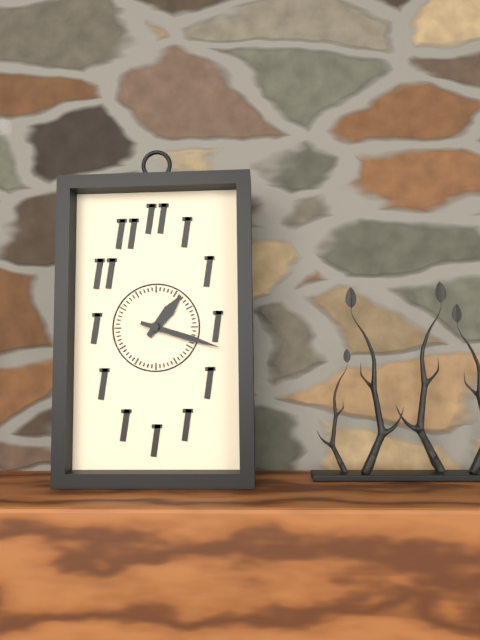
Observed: 1:18
